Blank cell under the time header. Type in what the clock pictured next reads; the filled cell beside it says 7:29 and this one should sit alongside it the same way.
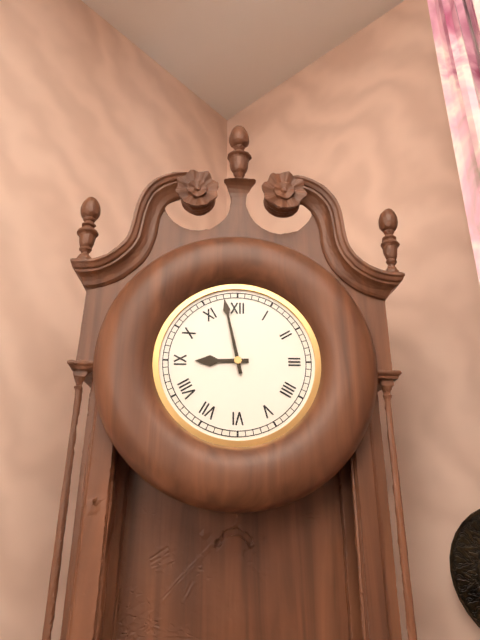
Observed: 8:58
